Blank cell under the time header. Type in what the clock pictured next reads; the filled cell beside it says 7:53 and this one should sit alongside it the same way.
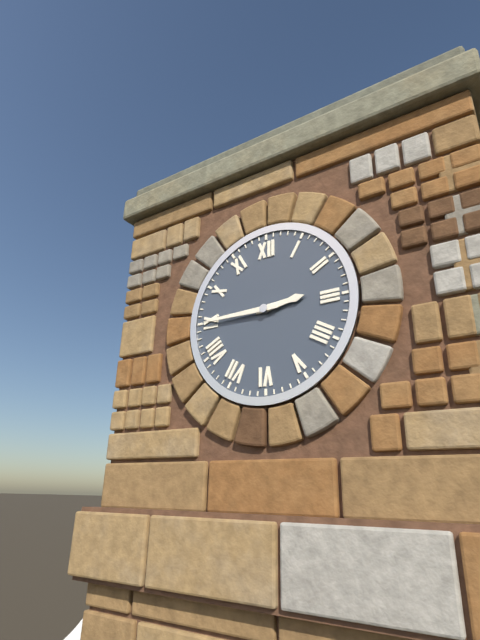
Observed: 2:45
